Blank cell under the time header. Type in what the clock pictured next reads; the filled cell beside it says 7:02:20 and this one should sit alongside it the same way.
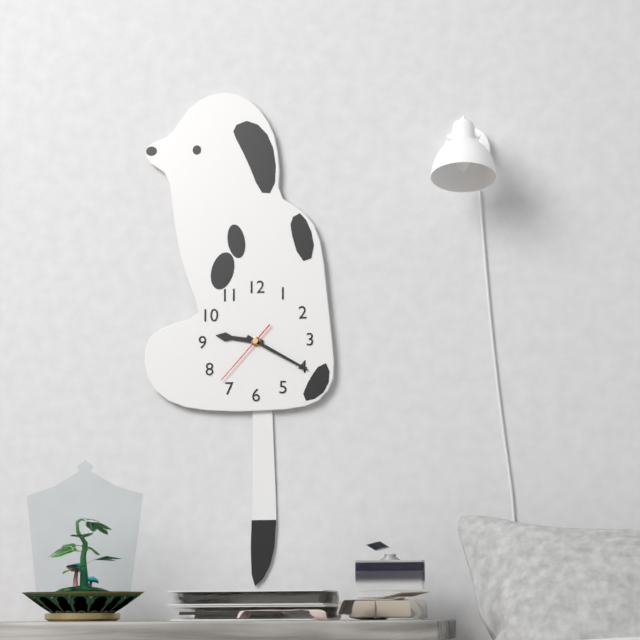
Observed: 9:20:37
